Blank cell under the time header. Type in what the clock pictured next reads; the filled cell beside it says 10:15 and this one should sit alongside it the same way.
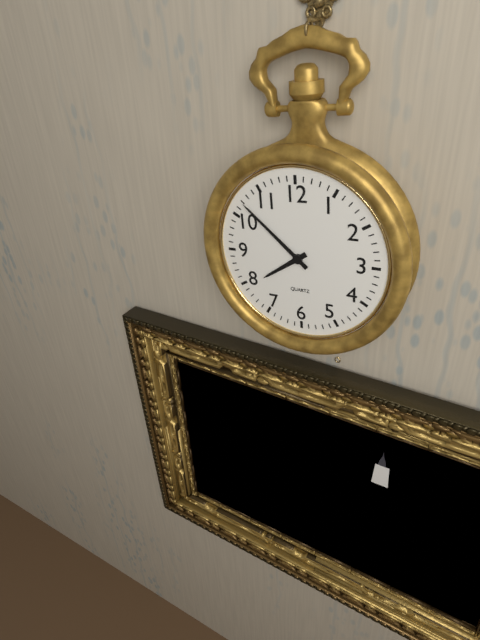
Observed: 7:52
